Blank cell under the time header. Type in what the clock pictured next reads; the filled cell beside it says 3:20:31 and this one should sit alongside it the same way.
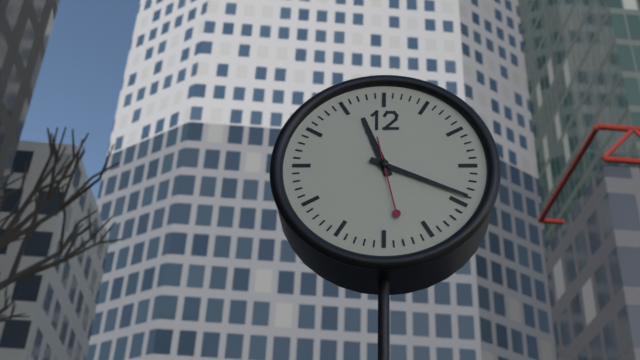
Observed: 11:19:28
